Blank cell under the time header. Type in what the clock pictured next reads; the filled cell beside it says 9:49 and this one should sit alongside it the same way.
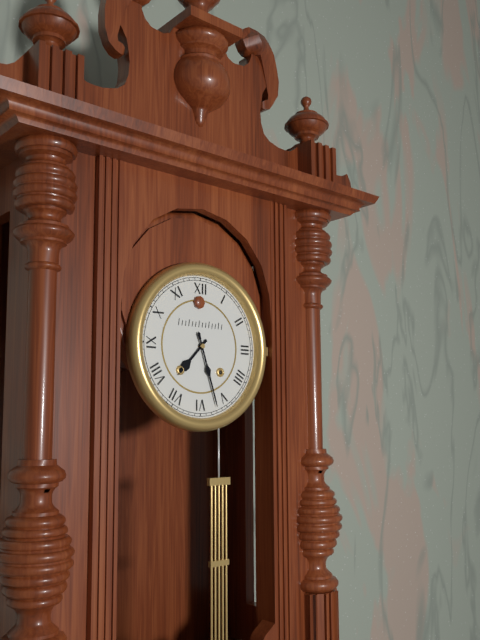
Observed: 7:27
